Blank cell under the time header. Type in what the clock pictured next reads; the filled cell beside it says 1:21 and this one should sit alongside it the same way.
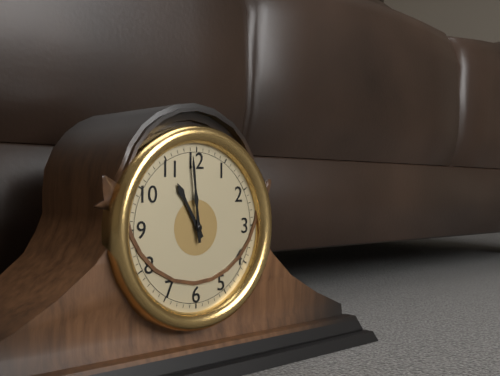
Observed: 10:59
